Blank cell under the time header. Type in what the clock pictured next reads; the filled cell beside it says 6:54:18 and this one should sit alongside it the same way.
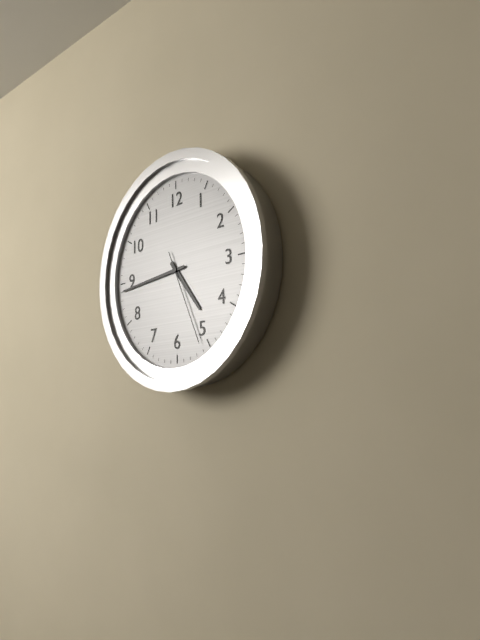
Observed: 4:44:26
